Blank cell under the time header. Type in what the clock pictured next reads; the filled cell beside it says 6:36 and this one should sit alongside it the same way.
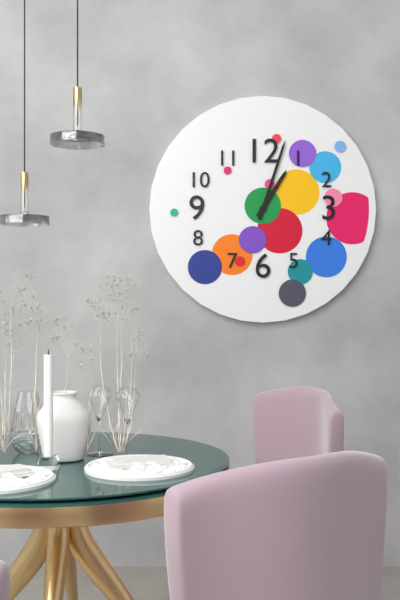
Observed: 1:03
